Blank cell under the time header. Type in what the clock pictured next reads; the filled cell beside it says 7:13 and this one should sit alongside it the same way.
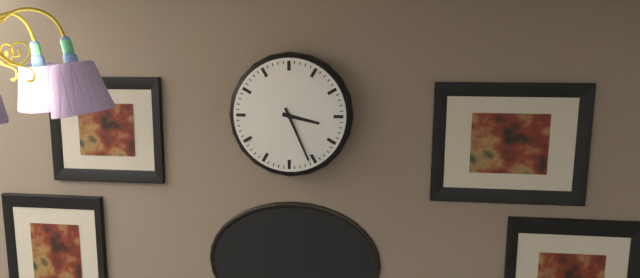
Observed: 3:26
